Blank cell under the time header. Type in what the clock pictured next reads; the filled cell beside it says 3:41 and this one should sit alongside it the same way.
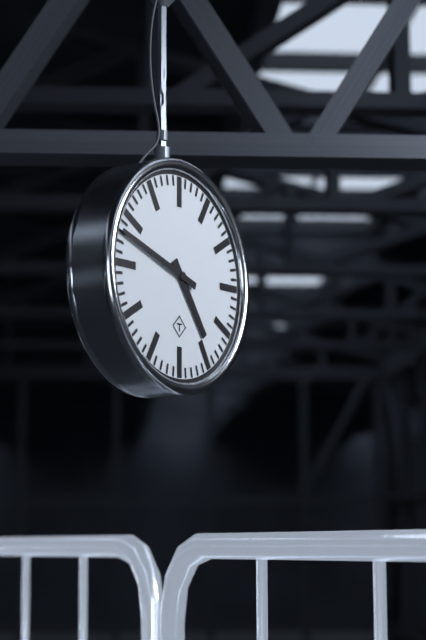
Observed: 4:48
